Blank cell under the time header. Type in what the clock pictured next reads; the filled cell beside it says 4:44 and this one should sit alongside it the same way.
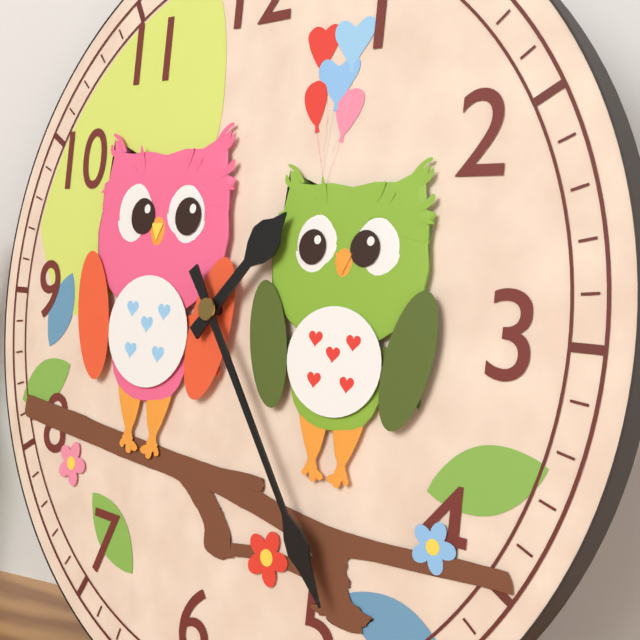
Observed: 1:24
